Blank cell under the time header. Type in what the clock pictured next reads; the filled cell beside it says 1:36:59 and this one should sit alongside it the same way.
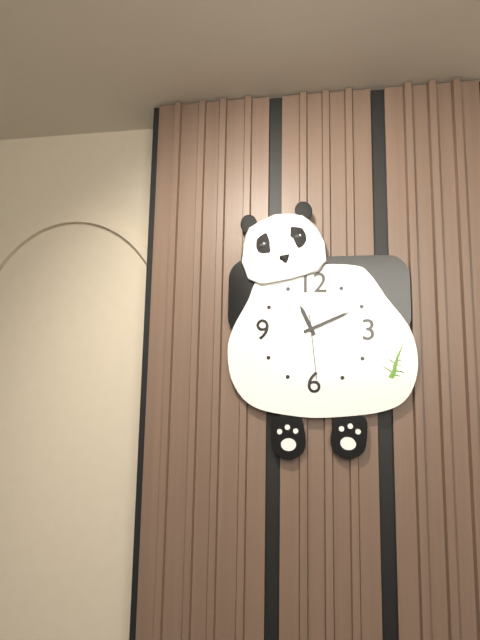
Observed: 11:11:29
